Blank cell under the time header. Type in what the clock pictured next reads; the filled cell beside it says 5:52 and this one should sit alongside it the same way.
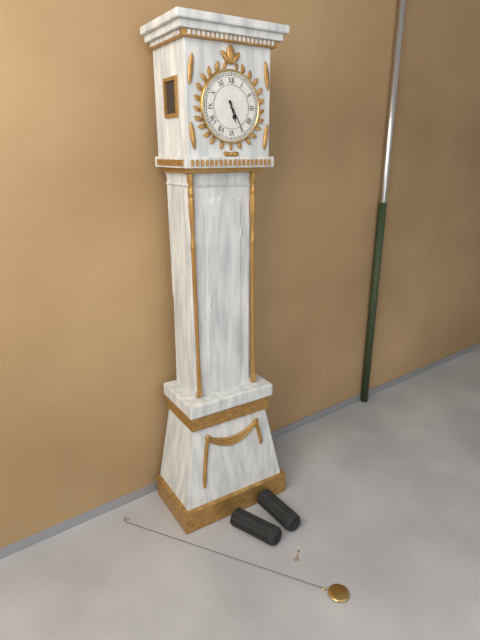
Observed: 5:25
